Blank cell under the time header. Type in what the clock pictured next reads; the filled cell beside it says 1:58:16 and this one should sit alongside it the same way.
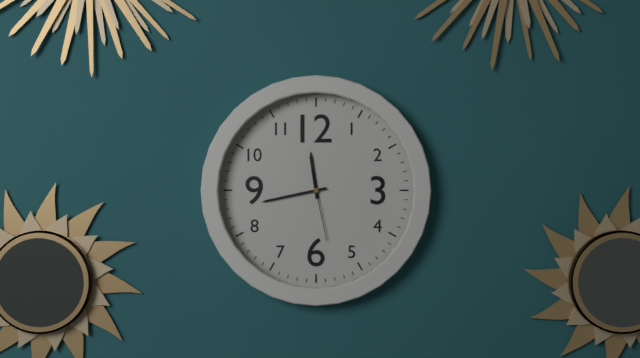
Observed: 11:43:28
